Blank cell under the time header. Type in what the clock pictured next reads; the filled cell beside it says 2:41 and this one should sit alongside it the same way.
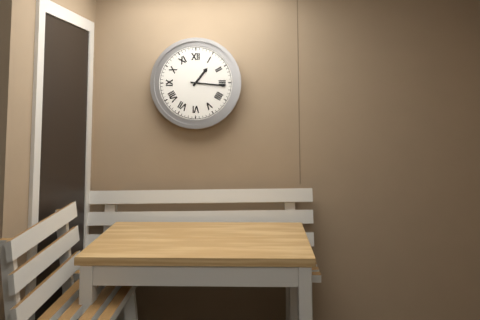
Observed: 1:16
